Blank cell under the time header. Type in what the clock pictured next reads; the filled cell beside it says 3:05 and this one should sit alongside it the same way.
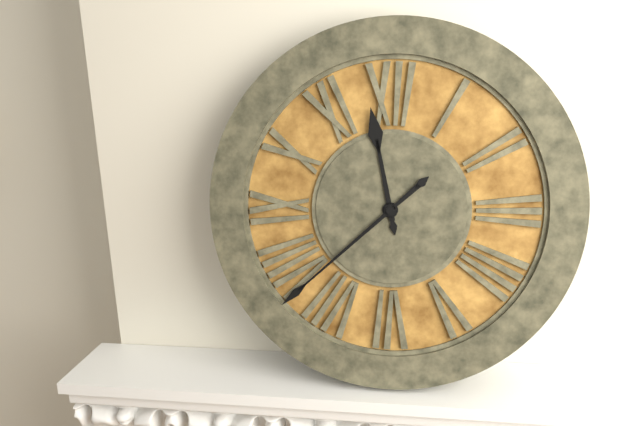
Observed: 11:38
